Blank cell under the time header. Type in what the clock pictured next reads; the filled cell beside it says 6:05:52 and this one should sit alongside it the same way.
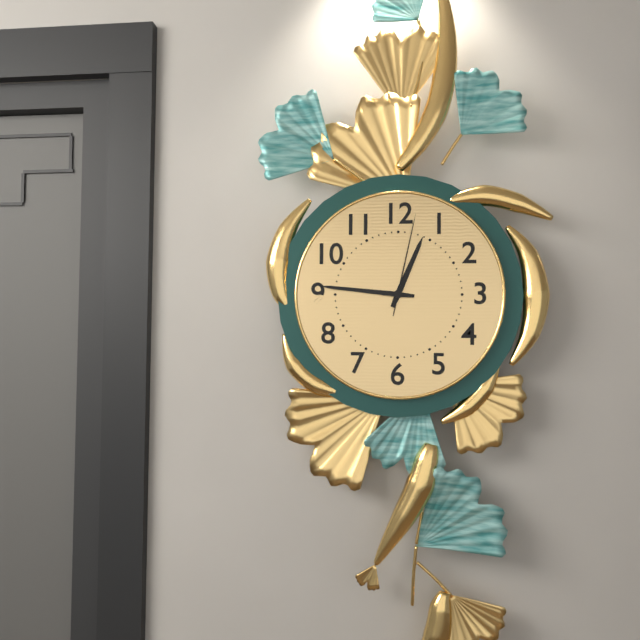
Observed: 12:46:02
